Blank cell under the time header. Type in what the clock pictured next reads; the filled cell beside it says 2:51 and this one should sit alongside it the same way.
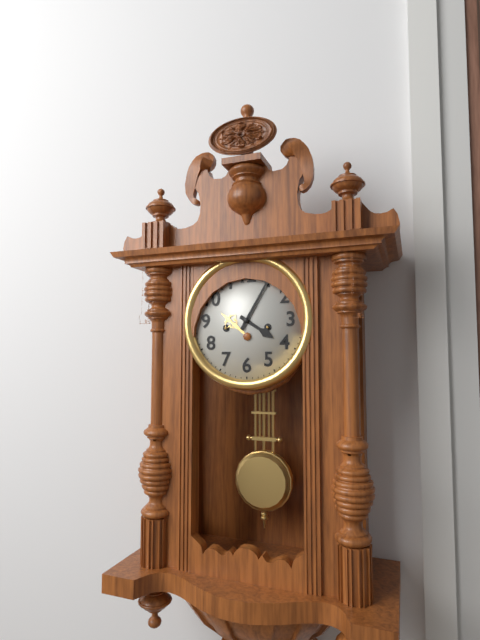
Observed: 4:05
